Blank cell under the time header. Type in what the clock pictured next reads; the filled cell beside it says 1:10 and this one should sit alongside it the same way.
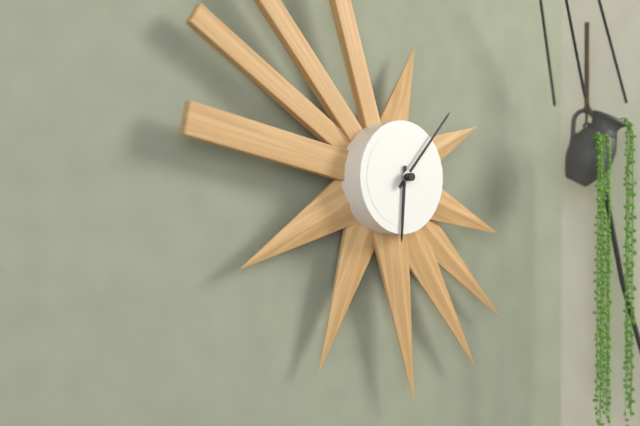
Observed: 6:07
